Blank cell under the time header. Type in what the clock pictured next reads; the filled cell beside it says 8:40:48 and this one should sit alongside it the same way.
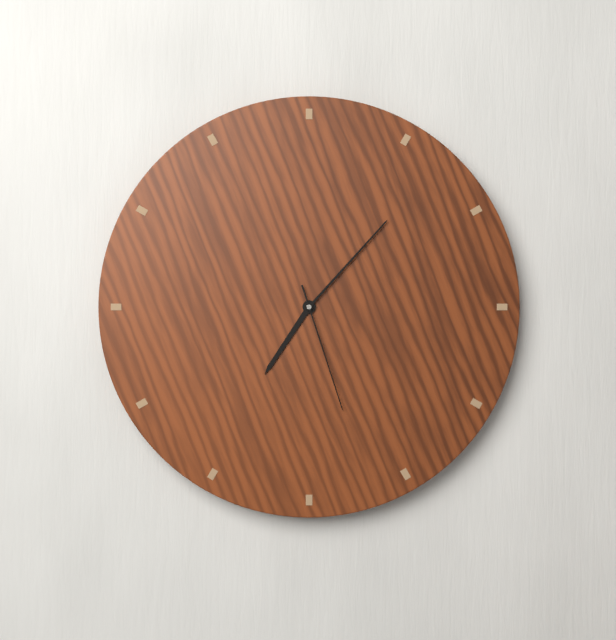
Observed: 7:07:27
